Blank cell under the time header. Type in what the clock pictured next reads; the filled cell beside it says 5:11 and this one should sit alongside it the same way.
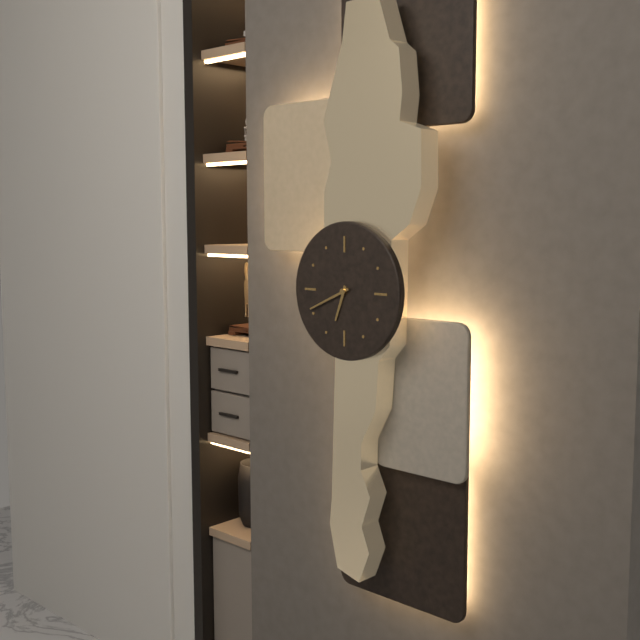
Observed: 6:41
